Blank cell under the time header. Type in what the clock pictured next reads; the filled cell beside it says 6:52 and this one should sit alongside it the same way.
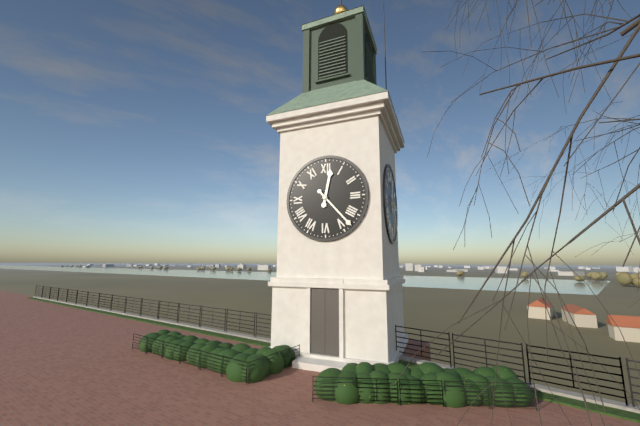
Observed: 12:23
